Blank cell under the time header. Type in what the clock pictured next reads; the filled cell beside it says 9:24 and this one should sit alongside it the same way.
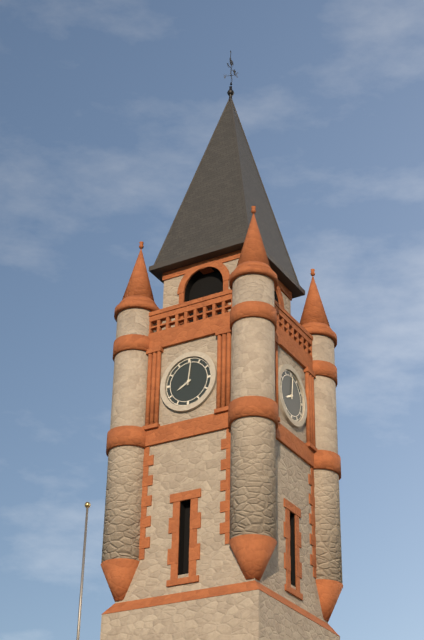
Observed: 8:01
